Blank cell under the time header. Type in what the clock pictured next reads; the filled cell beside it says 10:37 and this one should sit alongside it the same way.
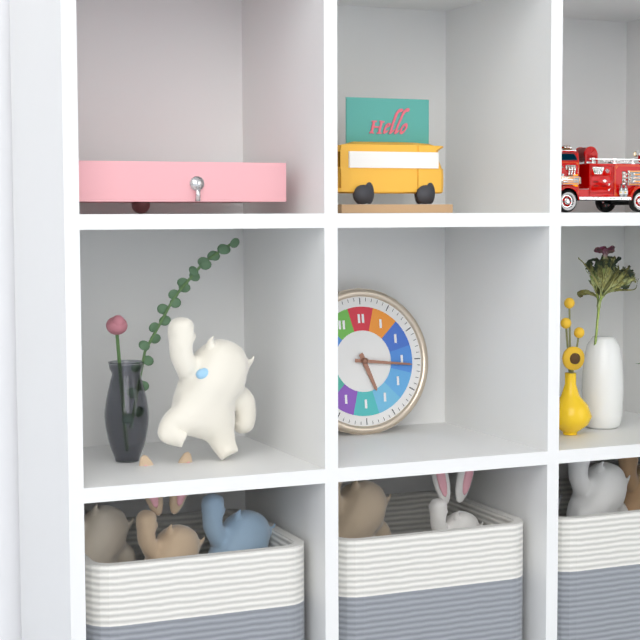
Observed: 5:16
